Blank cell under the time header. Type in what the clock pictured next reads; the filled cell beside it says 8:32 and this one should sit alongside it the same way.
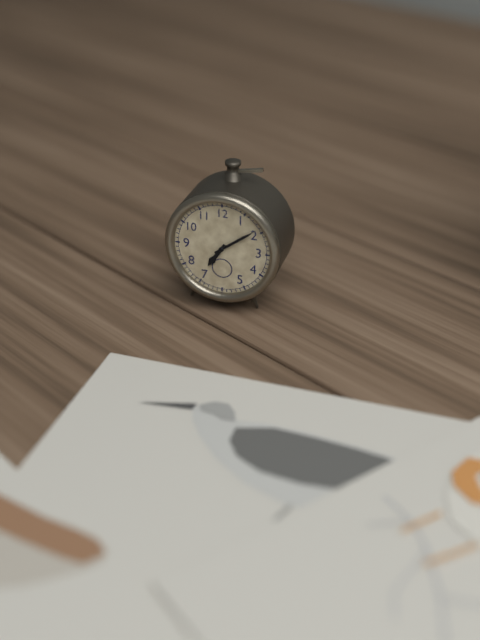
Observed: 7:09
